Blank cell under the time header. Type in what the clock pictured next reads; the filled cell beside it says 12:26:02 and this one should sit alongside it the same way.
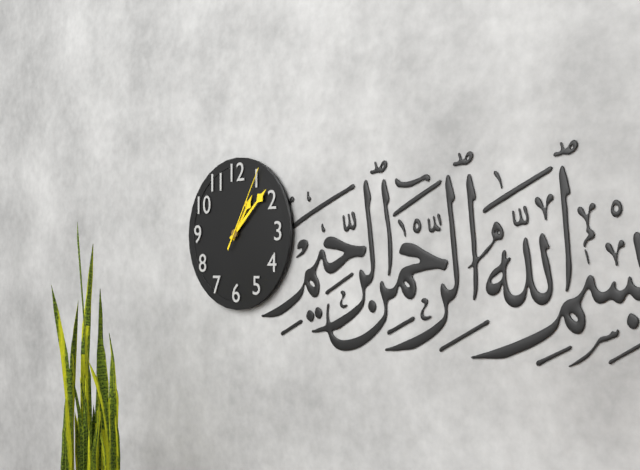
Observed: 1:08:05
